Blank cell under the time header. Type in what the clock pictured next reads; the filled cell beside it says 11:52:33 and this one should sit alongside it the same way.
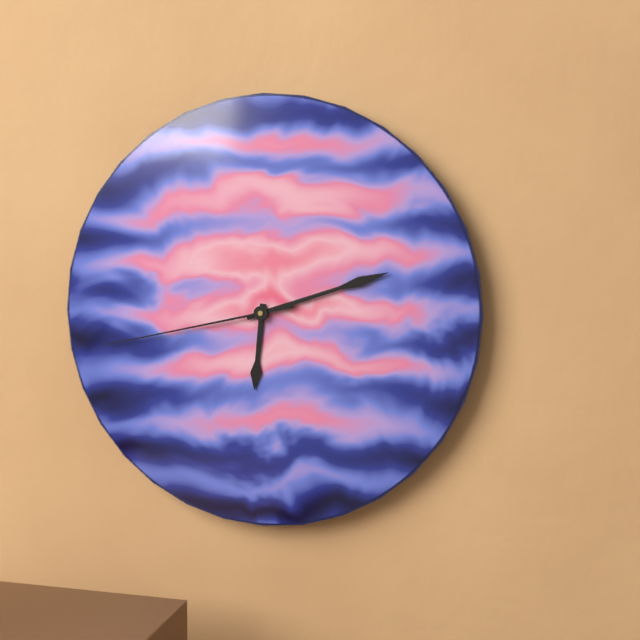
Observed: 6:12:43
